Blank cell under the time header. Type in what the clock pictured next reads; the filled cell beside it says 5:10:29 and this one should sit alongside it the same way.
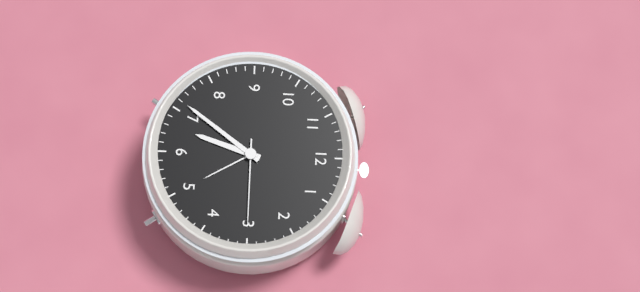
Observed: 6:36:15
